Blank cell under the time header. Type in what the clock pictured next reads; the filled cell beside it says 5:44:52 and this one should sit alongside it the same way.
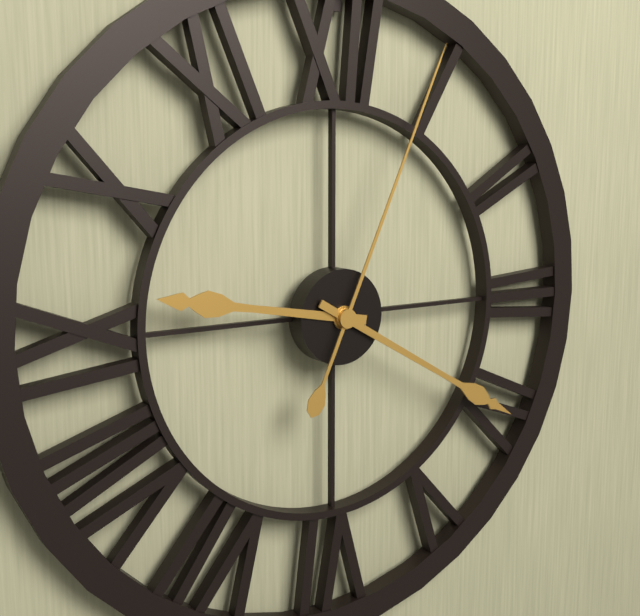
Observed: 9:20:04
